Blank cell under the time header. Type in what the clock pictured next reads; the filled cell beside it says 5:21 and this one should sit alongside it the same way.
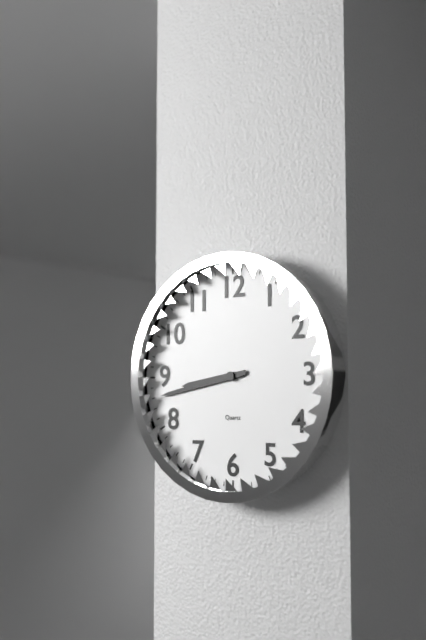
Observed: 8:43
